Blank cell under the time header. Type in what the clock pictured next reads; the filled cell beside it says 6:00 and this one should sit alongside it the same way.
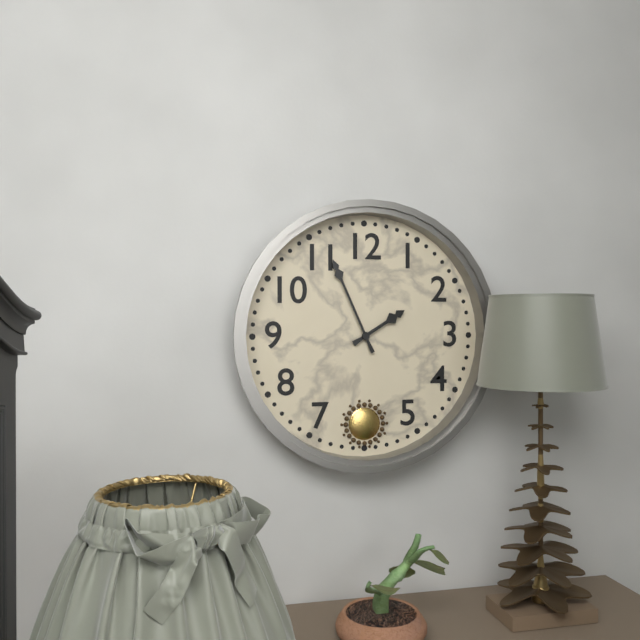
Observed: 1:56
